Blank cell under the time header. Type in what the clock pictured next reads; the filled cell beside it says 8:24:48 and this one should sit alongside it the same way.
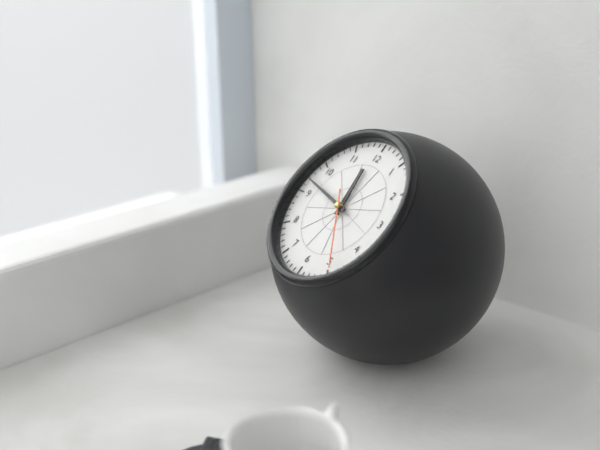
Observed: 11:47:24
